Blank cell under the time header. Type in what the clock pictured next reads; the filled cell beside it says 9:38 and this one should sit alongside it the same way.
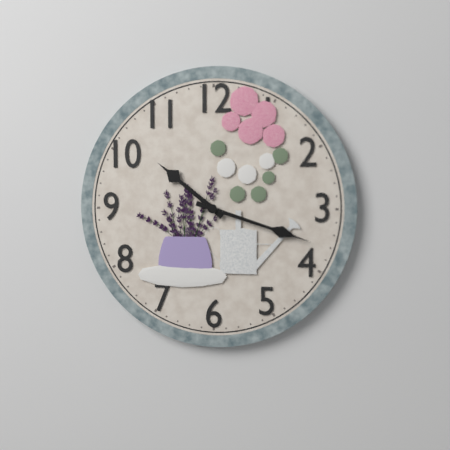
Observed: 10:18
